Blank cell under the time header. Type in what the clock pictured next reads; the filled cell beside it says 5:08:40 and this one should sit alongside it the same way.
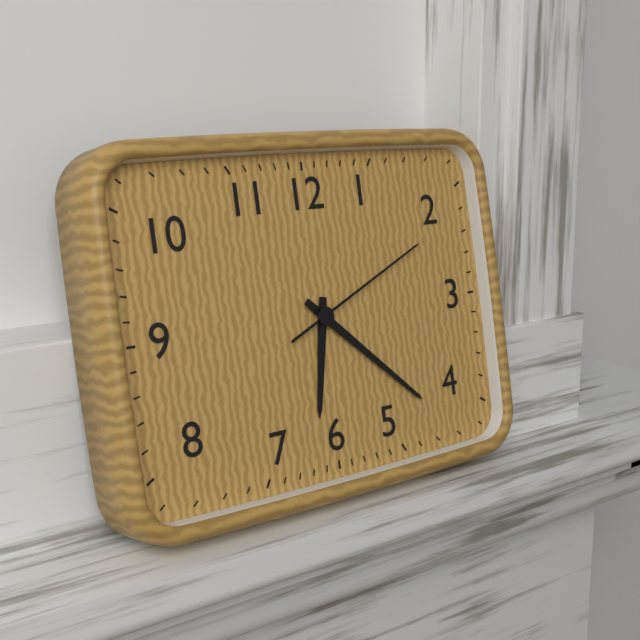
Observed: 6:22:11
